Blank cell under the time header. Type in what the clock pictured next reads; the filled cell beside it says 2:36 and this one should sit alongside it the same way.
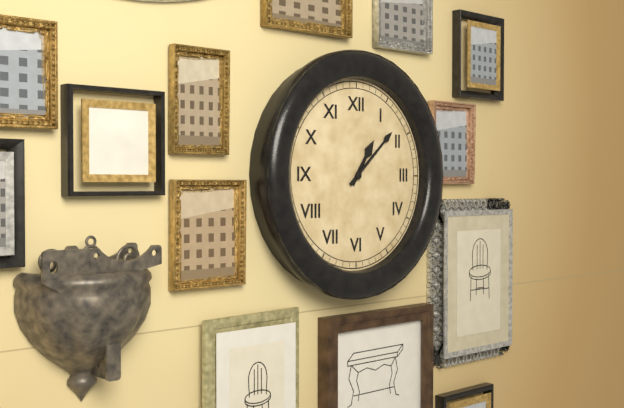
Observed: 1:08
